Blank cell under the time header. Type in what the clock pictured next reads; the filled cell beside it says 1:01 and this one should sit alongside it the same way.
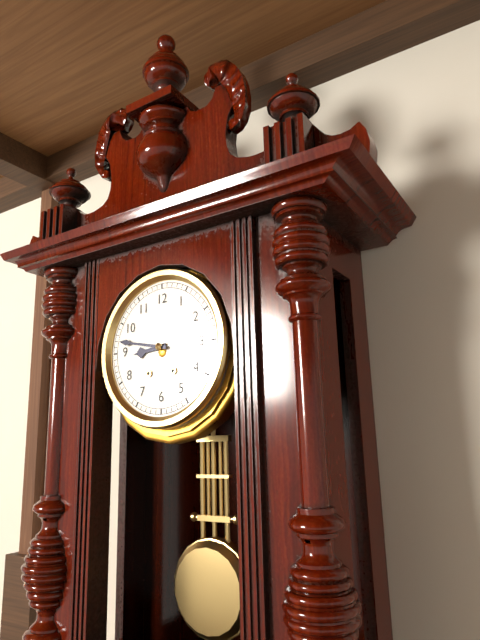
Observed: 8:47
